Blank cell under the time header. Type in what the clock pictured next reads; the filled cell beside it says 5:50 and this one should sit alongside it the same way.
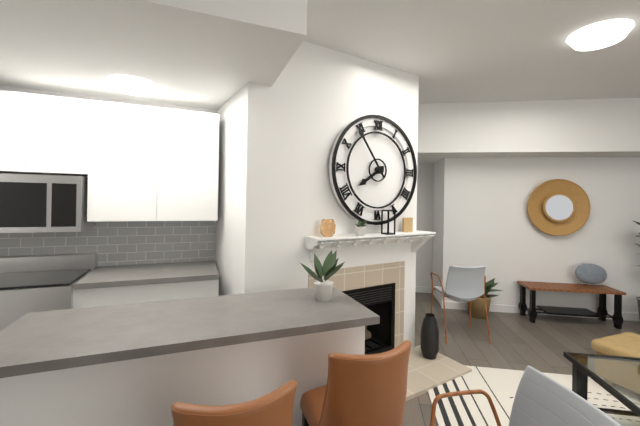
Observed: 7:54
